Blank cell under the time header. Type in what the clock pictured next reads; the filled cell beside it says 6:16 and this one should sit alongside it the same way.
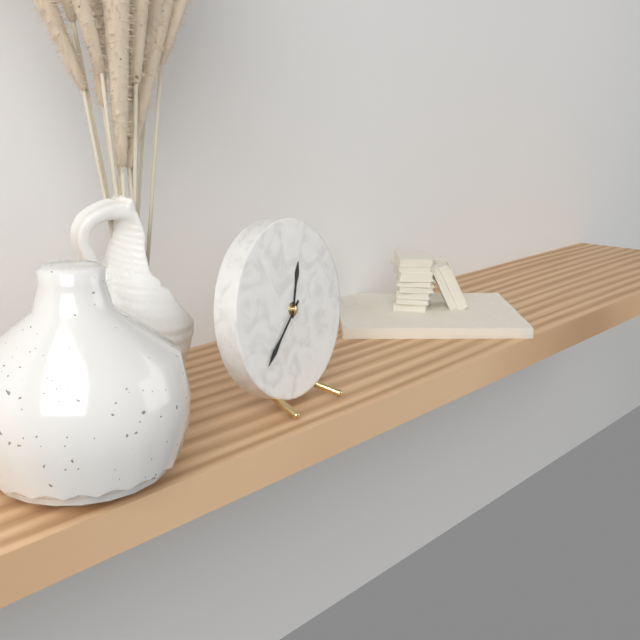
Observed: 12:38
